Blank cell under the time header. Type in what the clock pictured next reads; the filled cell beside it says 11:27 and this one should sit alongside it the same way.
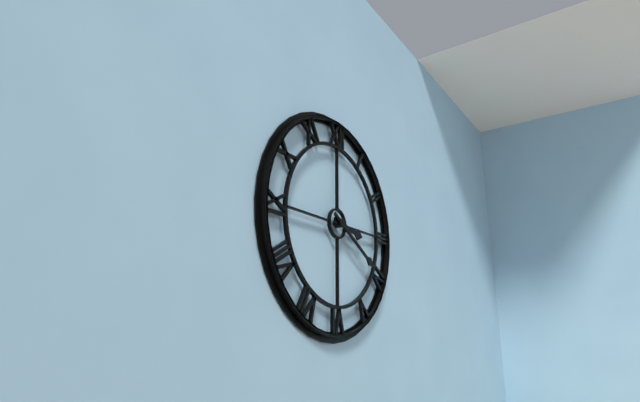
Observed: 3:20
